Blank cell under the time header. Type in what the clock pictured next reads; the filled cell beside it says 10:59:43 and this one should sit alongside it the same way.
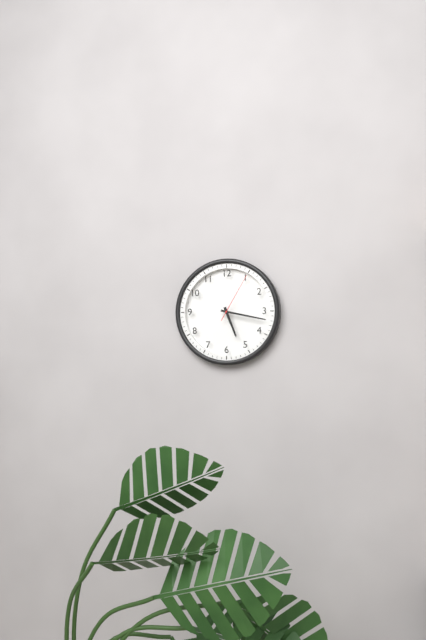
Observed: 5:17:05
